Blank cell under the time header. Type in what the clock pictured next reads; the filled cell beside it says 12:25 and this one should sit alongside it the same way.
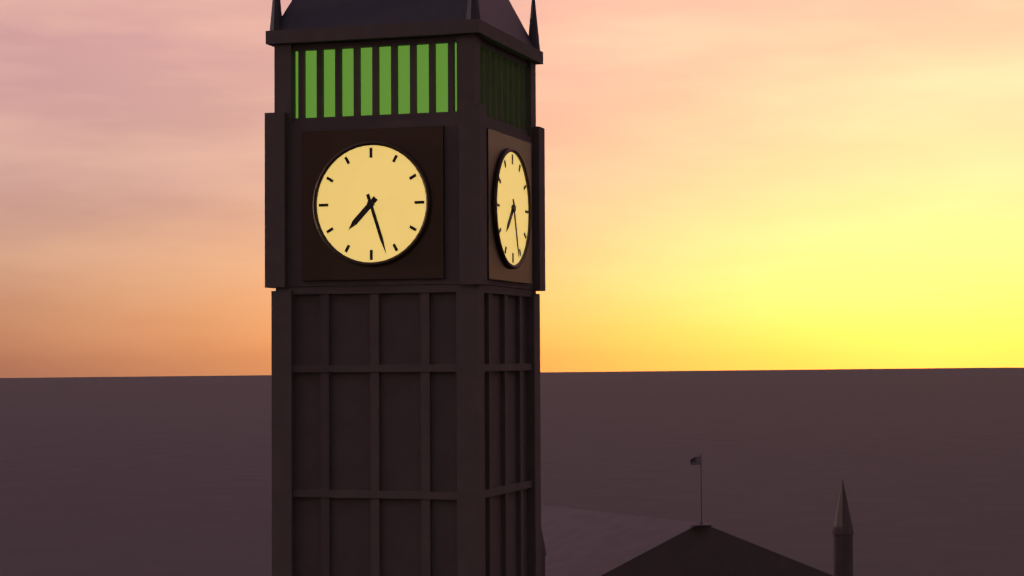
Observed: 7:27
